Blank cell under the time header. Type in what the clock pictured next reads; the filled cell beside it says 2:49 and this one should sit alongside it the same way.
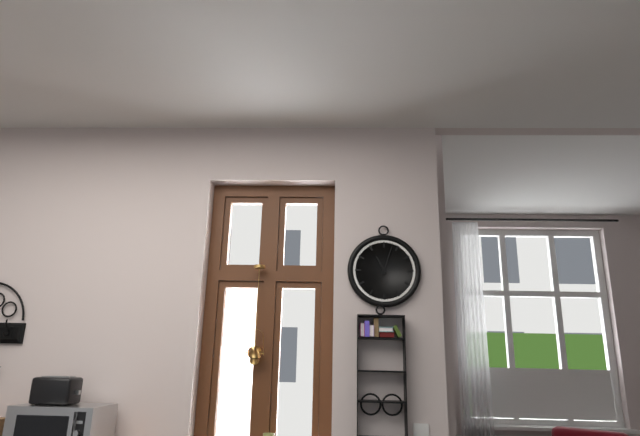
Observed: 11:03
